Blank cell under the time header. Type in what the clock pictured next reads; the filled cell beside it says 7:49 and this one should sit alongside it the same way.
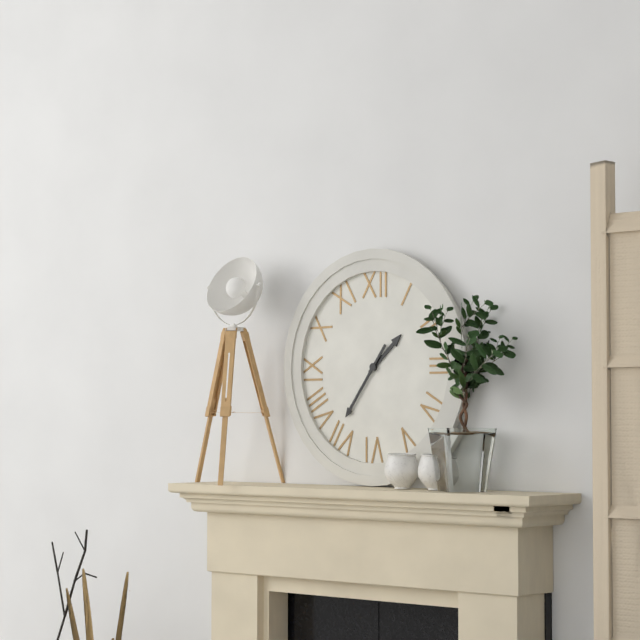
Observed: 1:36
